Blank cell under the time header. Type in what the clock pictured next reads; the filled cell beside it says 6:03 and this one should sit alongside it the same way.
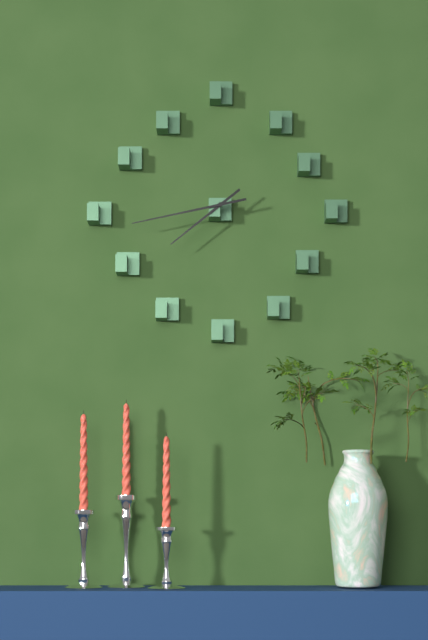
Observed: 7:43
